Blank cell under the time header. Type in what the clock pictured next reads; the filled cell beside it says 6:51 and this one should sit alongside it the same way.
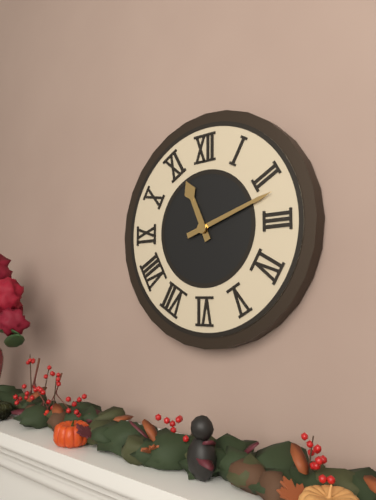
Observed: 11:12
